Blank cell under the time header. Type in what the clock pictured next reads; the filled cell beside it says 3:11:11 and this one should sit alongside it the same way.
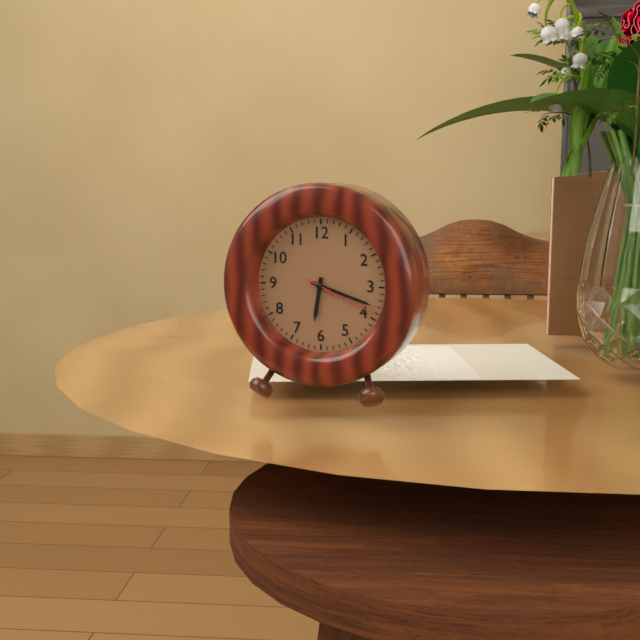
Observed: 6:18:19
